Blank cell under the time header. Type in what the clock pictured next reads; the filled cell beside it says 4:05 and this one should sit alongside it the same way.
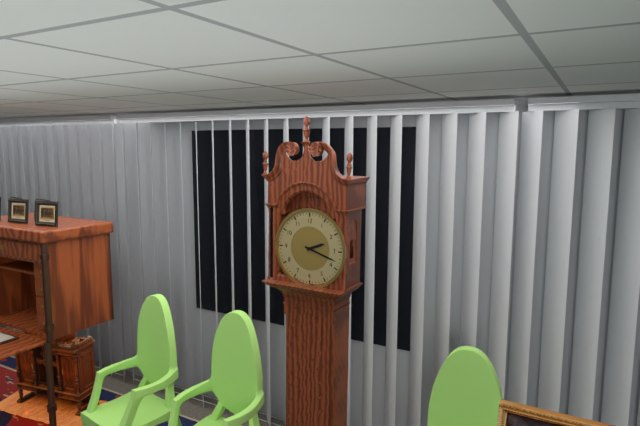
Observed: 2:18
